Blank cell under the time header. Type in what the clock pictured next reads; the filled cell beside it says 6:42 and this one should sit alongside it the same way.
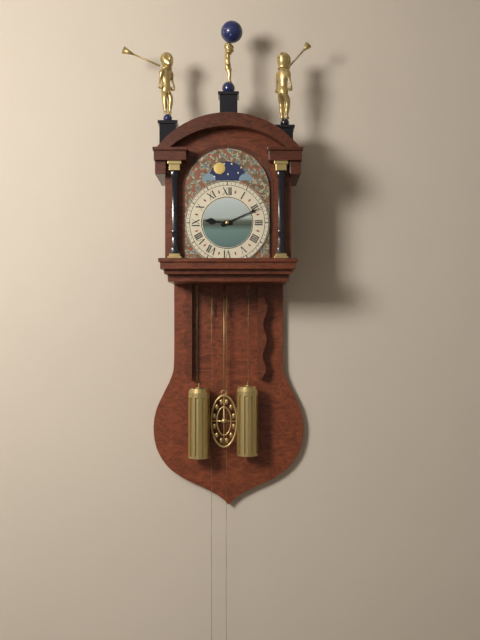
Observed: 9:11
